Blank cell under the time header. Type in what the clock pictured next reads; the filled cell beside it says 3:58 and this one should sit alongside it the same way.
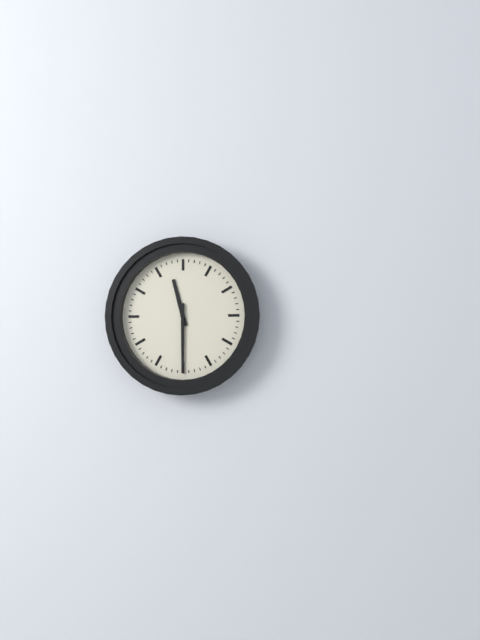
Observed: 11:30
